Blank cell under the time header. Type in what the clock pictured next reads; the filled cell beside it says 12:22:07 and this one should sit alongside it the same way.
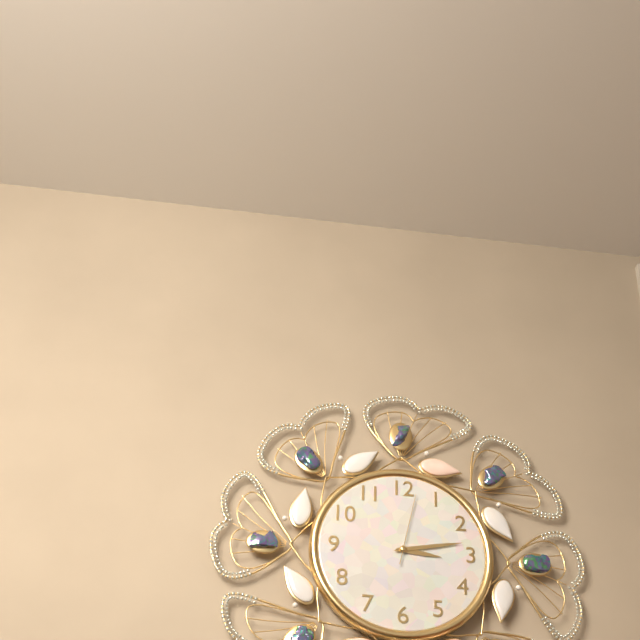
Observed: 3:13:02
